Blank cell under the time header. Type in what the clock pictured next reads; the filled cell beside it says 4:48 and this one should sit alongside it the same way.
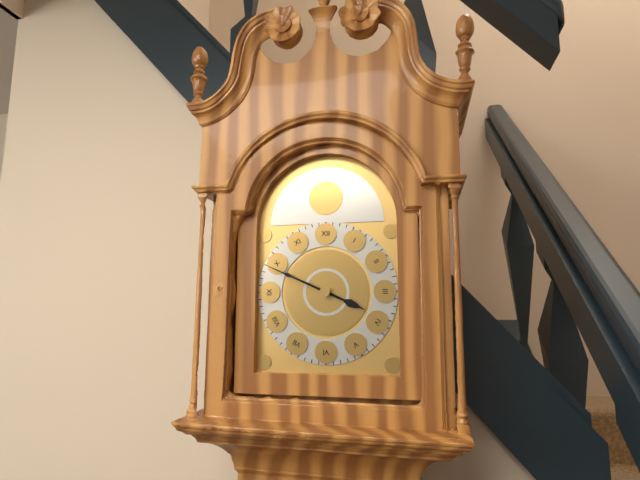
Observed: 3:49
